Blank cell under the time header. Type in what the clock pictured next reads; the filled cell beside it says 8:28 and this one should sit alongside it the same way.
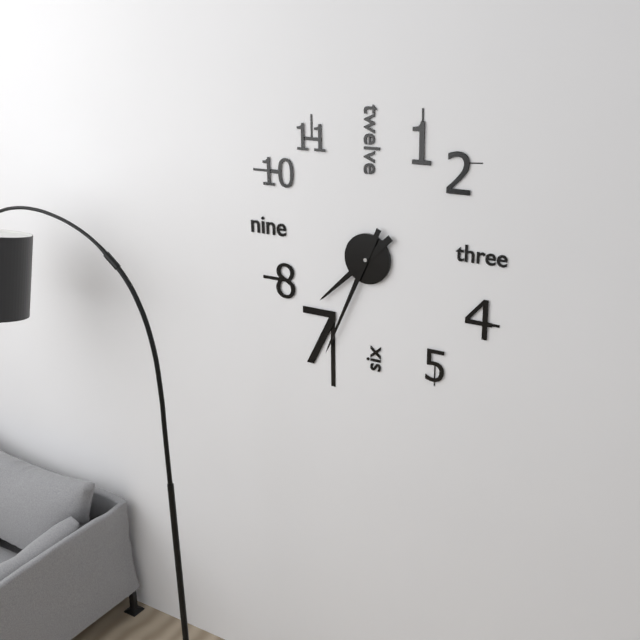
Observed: 7:34
